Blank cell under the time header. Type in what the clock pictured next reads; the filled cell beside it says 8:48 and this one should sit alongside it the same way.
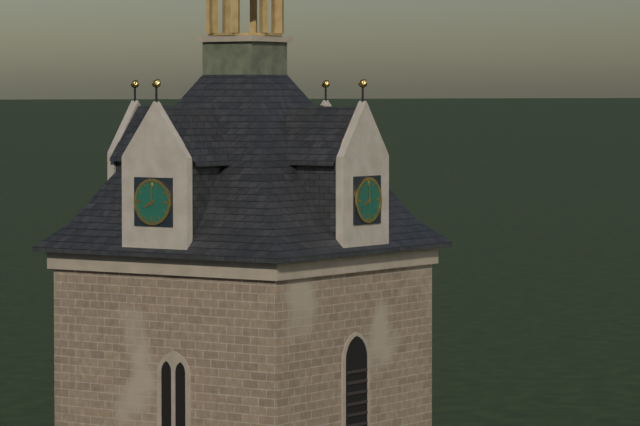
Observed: 8:00
